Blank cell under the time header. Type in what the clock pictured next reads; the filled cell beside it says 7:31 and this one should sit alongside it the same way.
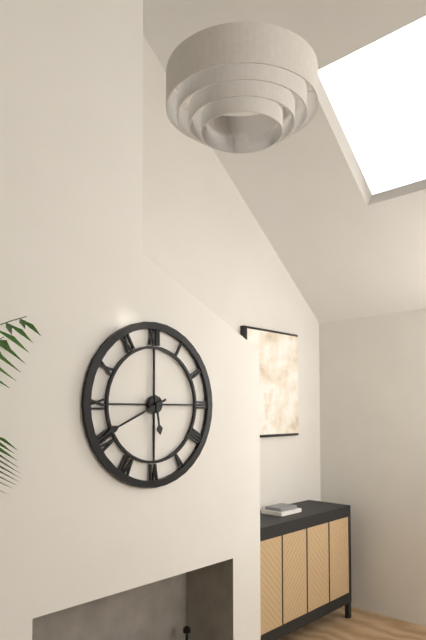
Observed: 5:41
